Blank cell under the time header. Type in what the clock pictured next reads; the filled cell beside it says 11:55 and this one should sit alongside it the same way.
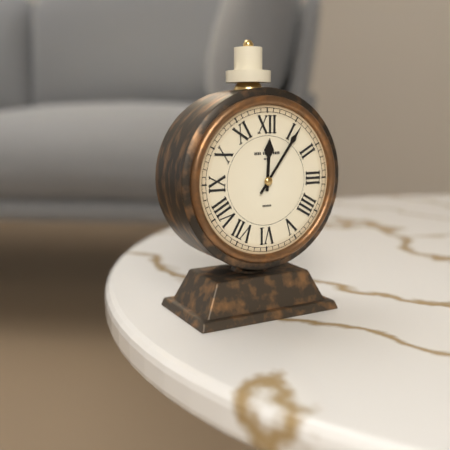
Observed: 12:06
